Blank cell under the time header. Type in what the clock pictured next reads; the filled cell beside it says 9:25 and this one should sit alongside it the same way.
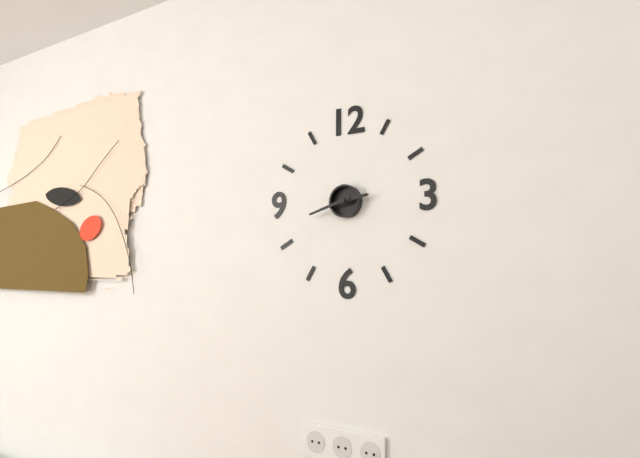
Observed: 2:42
